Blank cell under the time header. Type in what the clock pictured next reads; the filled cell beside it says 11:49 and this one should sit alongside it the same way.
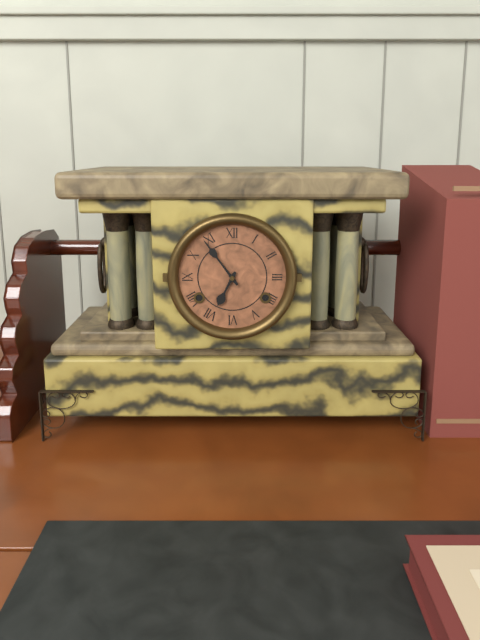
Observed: 6:54
